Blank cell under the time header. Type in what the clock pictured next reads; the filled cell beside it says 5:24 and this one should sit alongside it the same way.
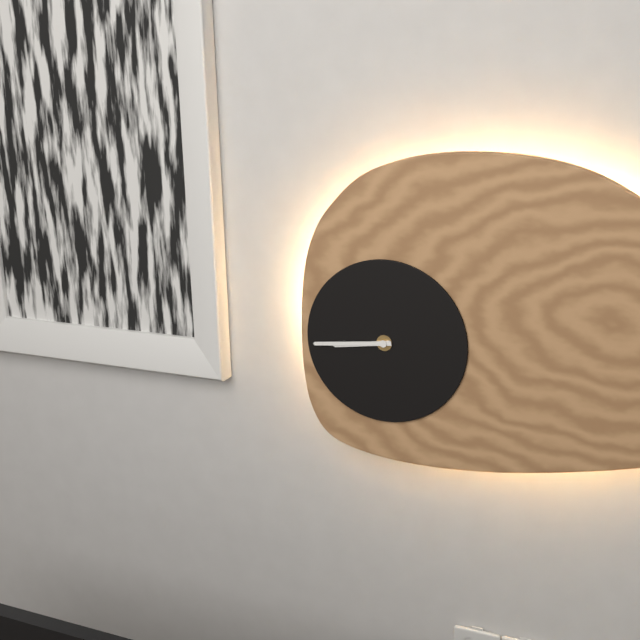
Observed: 8:44
